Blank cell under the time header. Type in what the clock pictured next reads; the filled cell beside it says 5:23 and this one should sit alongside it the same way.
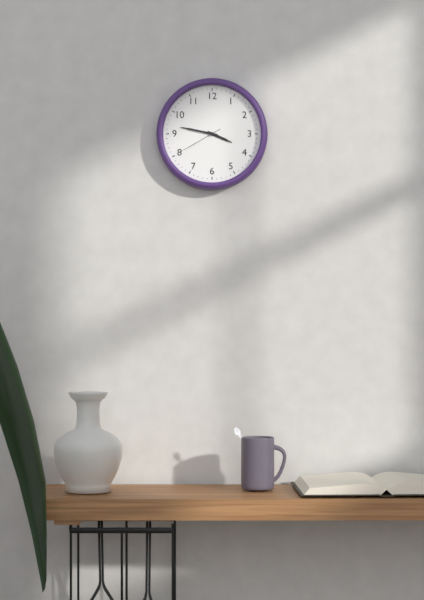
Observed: 3:47
